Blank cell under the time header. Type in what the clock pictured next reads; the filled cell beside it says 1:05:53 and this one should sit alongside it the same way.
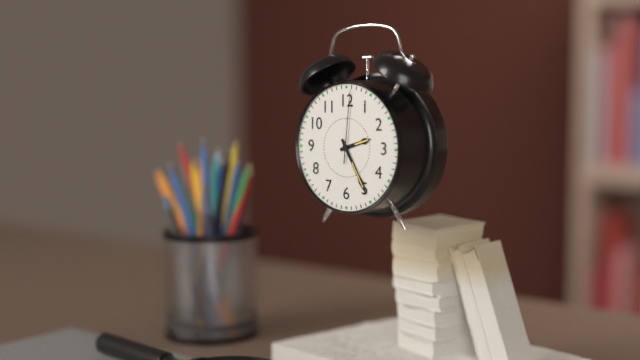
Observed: 2:25:01
